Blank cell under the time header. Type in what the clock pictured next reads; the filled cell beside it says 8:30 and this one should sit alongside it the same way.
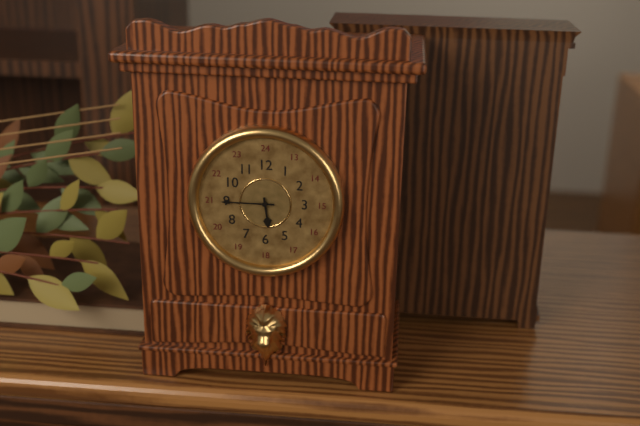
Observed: 5:45
